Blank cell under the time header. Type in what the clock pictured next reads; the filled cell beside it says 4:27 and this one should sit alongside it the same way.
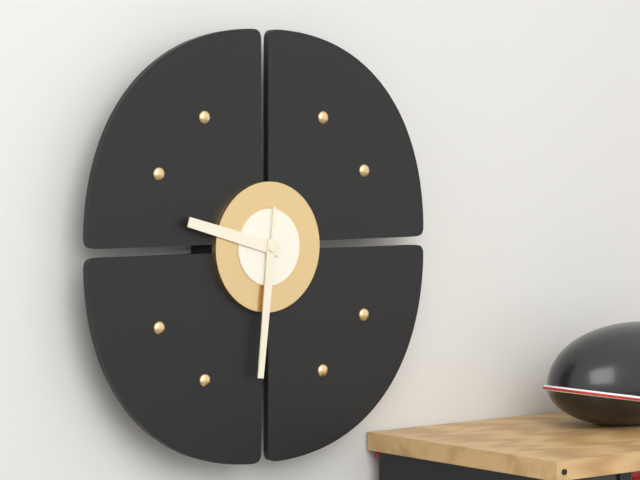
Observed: 9:31
